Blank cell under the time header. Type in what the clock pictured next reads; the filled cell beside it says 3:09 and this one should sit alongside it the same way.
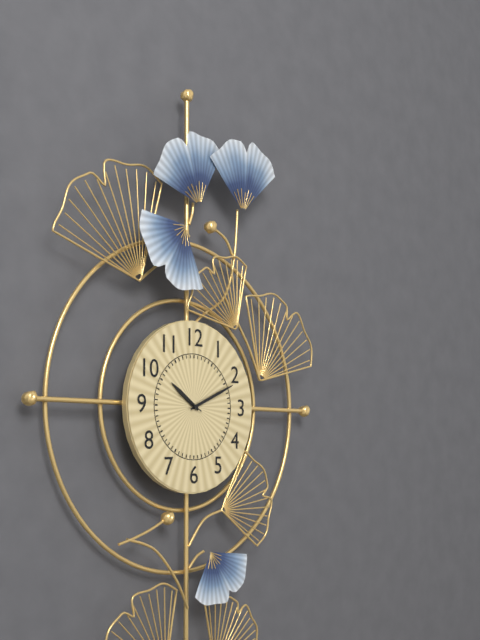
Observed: 10:11
